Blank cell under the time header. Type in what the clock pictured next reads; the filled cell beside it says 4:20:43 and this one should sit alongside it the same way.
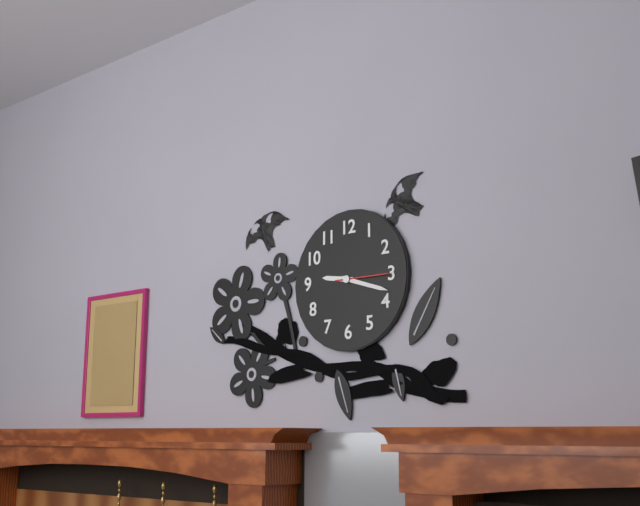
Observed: 9:18:15
